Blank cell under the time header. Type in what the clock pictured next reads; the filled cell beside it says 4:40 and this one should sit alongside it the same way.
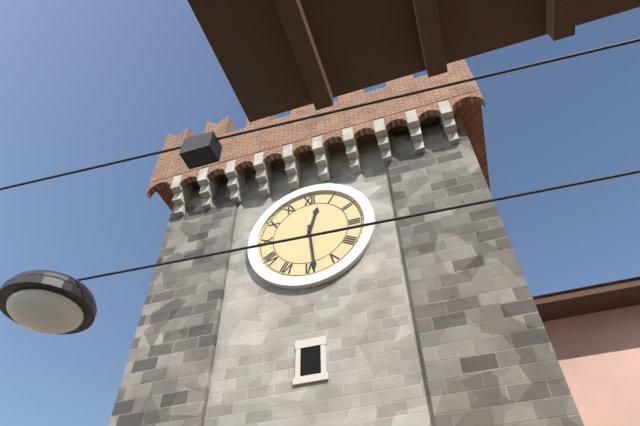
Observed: 12:29
